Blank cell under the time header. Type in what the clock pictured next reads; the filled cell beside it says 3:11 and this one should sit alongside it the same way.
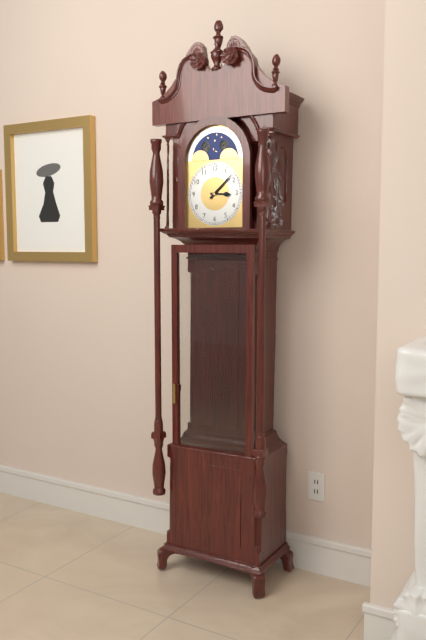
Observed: 3:08
